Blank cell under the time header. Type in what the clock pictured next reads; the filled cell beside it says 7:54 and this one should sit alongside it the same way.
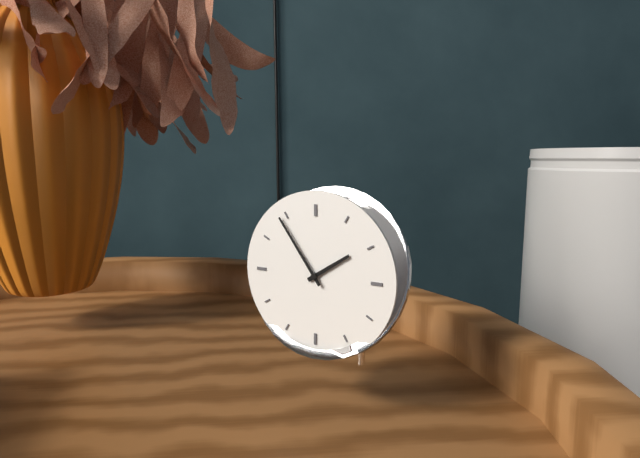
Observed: 1:54
